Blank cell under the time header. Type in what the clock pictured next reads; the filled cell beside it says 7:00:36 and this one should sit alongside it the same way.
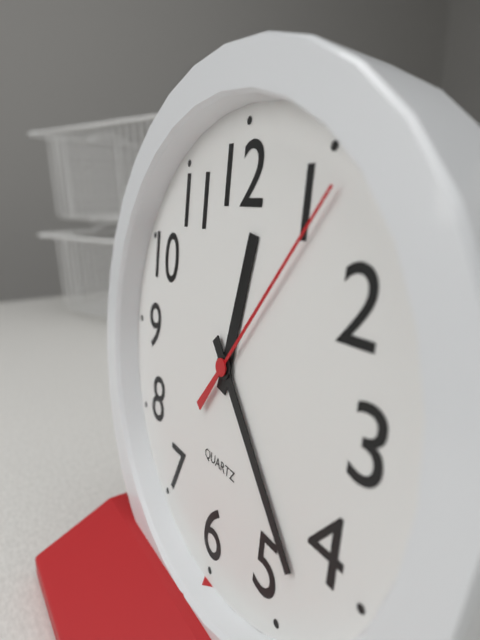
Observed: 12:23:06
